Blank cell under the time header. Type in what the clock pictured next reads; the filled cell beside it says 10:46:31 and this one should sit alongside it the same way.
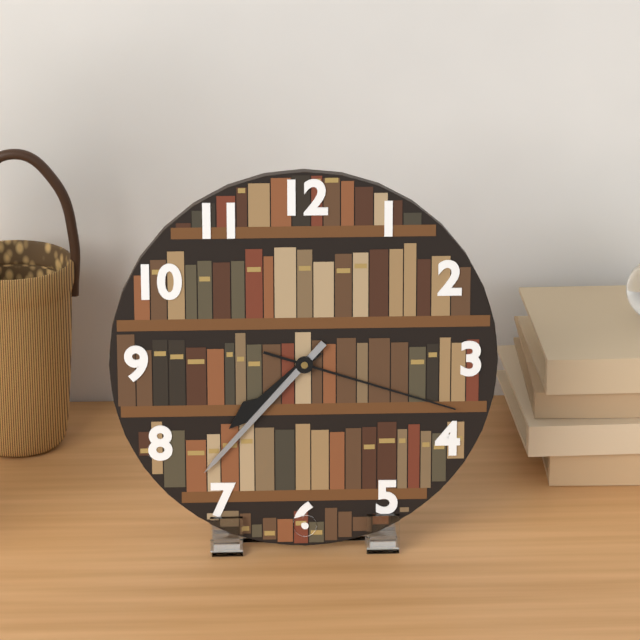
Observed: 7:37:18
